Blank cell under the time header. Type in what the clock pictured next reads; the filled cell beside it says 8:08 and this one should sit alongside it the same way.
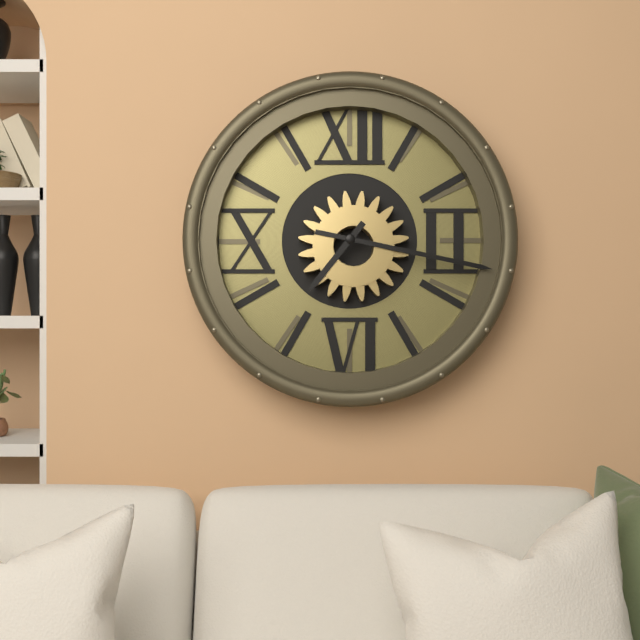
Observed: 7:17
